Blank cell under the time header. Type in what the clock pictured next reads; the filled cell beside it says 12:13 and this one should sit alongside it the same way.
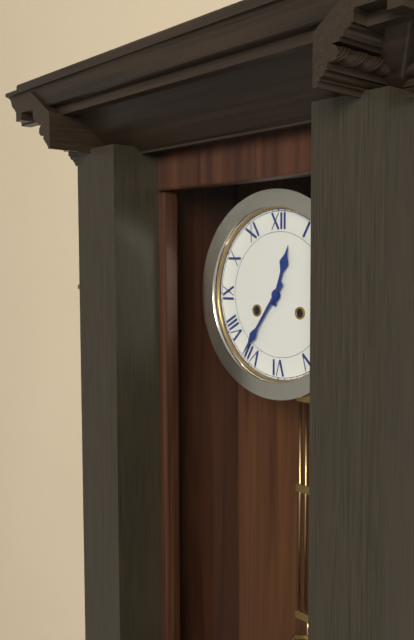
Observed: 12:36
